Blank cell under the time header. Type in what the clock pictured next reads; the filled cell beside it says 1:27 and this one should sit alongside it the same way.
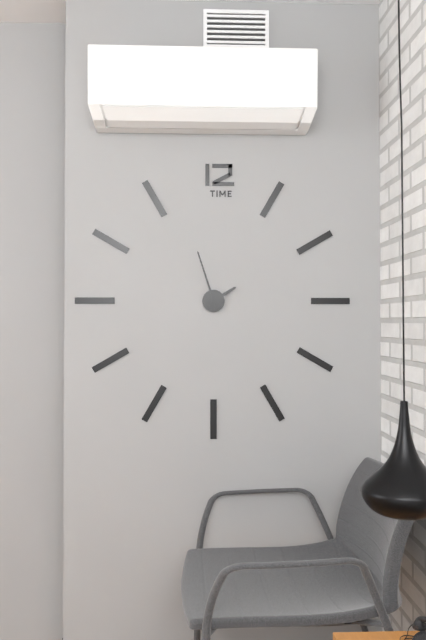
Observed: 1:57
